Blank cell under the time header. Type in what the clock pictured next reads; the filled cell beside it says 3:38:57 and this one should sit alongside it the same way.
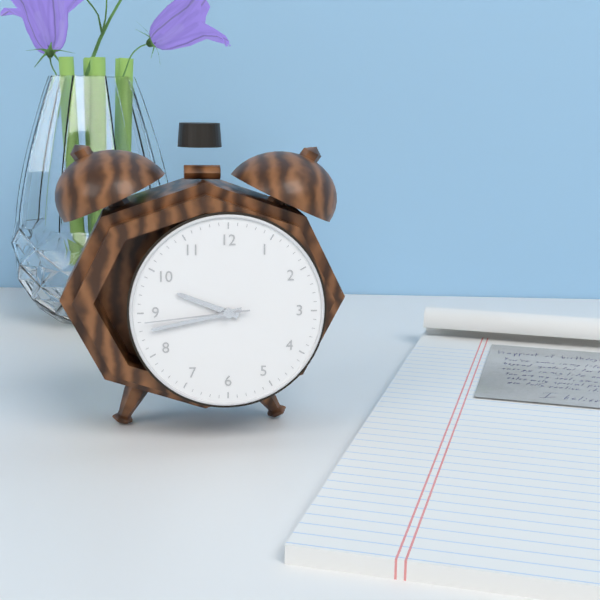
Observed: 9:43:44
